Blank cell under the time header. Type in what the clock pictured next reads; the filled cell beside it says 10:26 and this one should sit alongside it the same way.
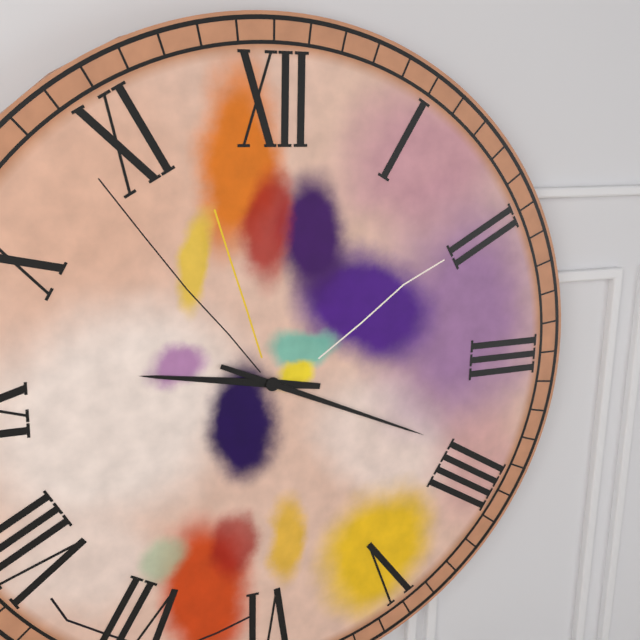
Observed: 9:19
